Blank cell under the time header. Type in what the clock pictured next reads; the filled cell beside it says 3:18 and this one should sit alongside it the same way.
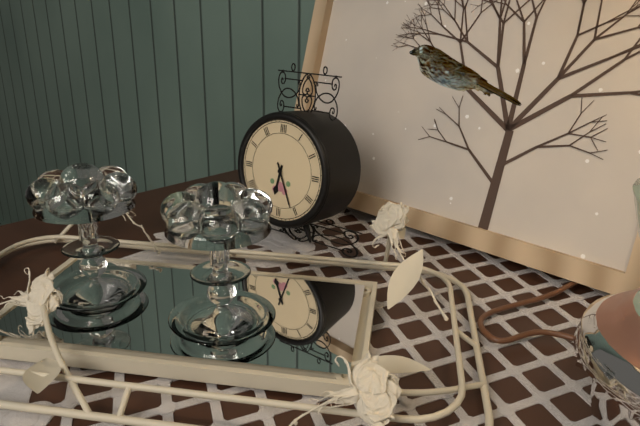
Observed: 6:26
